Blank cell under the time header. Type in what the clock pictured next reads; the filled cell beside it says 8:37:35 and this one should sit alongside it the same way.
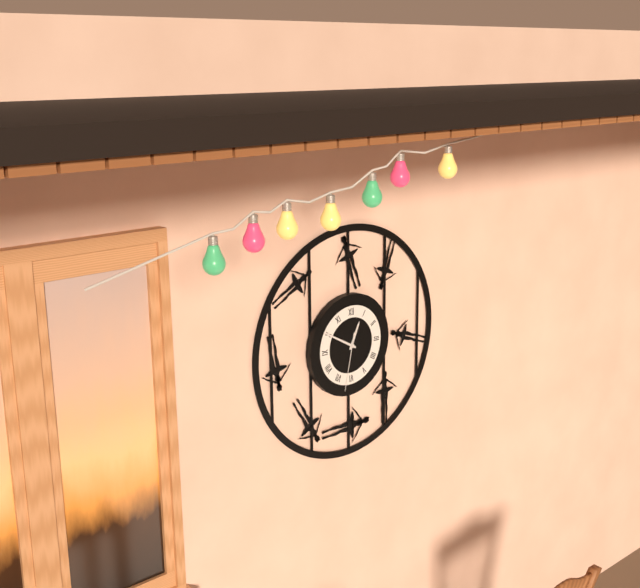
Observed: 12:50:32
